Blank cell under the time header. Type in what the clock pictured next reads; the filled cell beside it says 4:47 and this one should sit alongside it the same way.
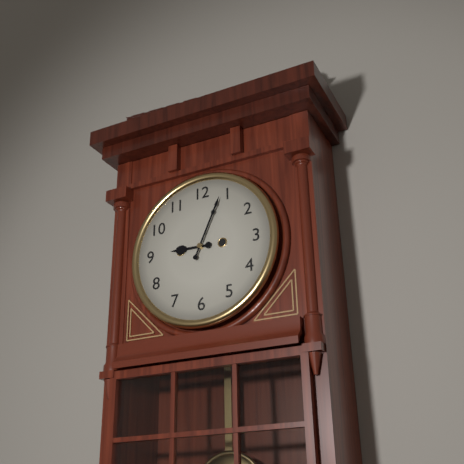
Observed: 9:04
